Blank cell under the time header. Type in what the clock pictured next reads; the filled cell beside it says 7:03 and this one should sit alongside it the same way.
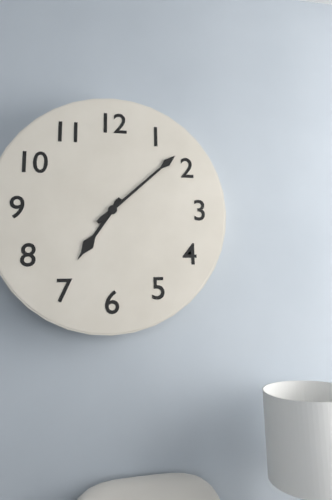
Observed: 7:08
